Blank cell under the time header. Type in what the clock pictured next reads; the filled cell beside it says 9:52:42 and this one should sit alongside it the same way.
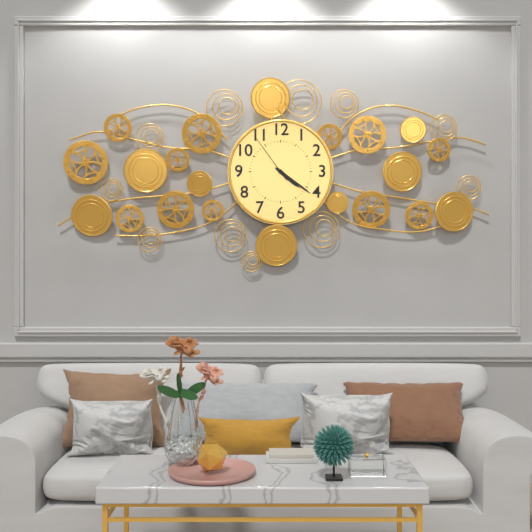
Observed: 4:21:54
